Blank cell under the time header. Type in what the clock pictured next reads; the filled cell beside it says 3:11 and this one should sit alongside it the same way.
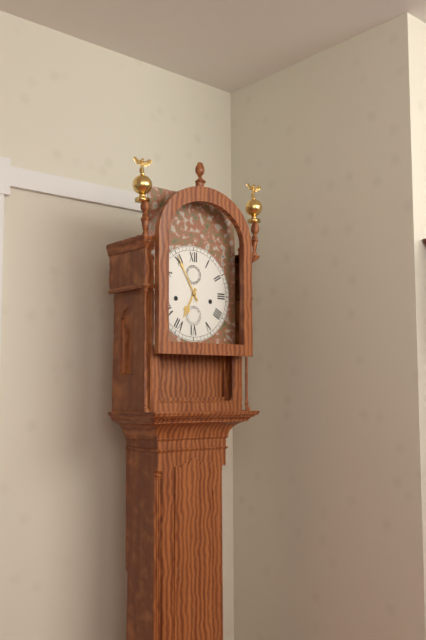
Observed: 6:55
